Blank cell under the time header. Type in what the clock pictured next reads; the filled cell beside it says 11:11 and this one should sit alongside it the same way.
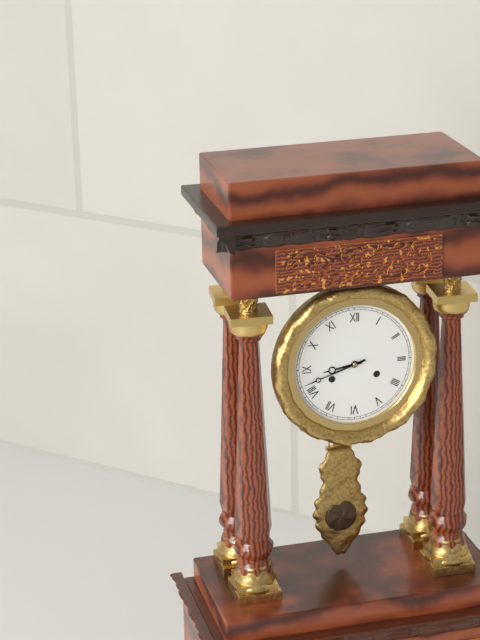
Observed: 8:42
